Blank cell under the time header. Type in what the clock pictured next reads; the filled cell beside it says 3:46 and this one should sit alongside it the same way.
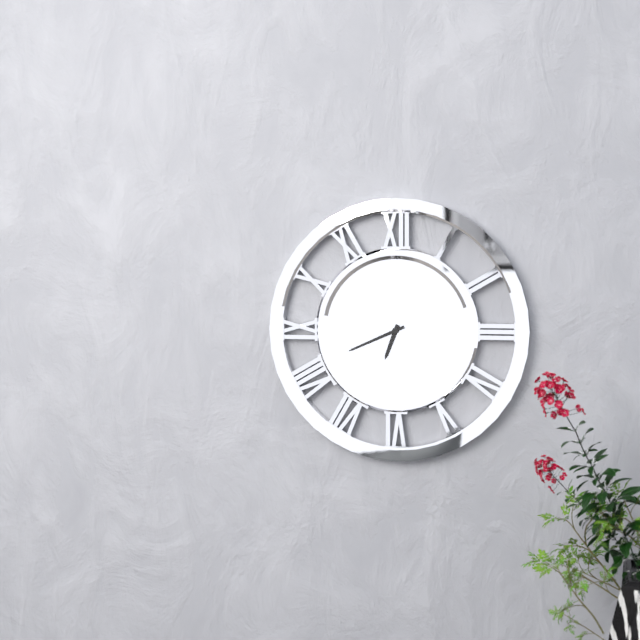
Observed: 6:41
